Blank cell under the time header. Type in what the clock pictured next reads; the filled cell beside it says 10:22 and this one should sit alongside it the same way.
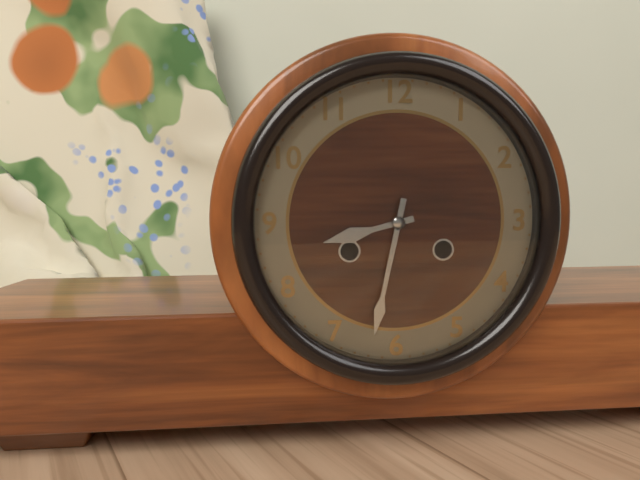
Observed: 8:32
